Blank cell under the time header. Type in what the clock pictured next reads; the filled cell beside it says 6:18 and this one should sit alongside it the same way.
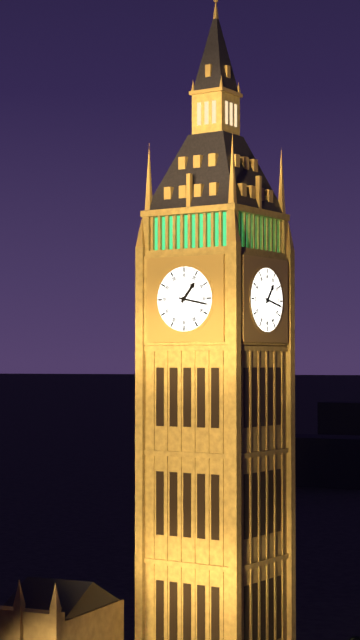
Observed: 1:17
